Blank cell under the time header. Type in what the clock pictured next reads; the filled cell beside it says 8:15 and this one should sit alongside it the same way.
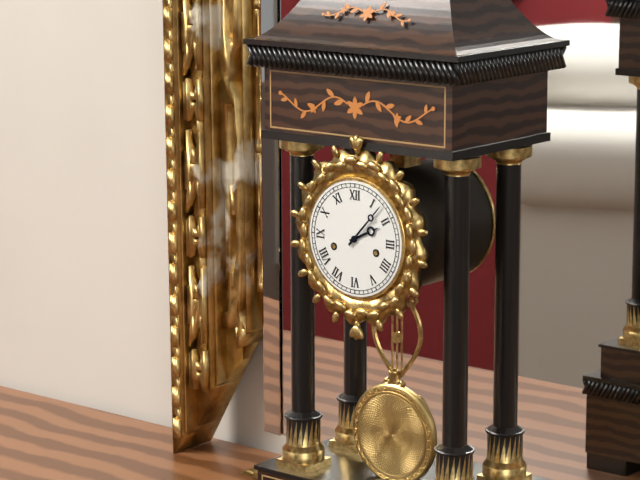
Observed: 2:07
